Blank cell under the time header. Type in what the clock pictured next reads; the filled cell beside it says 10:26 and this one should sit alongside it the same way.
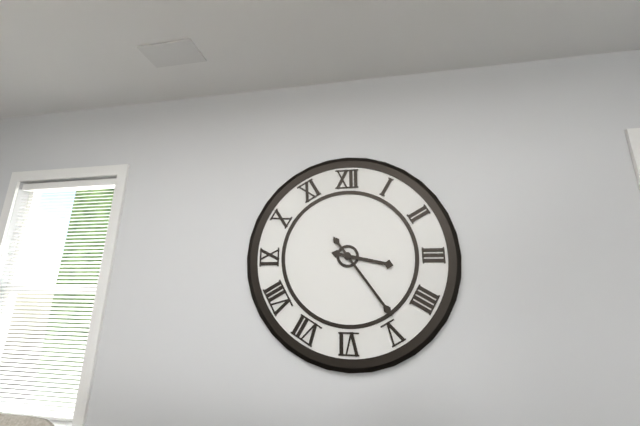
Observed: 3:24
